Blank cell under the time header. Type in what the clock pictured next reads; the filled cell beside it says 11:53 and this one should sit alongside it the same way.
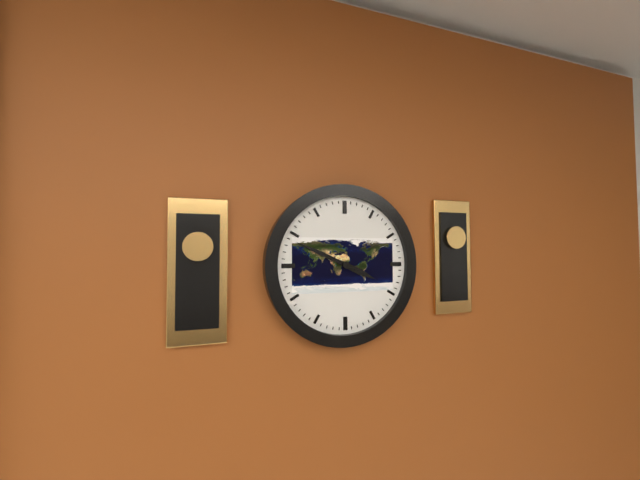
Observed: 3:49
